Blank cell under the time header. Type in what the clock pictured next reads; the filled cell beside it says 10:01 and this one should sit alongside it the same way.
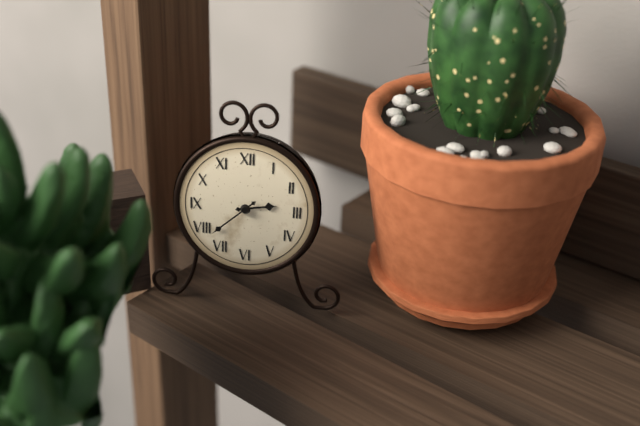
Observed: 2:38
